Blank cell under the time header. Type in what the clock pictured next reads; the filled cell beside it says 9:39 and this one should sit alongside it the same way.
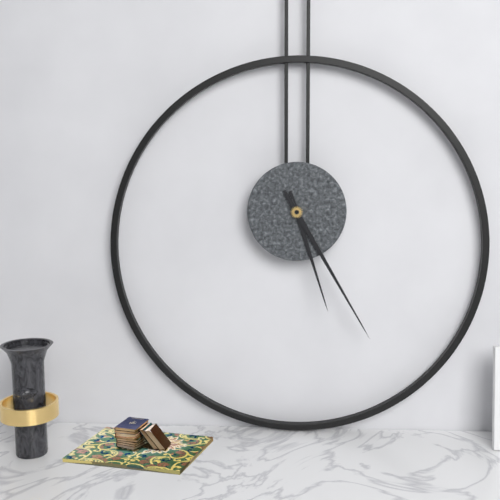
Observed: 5:25
